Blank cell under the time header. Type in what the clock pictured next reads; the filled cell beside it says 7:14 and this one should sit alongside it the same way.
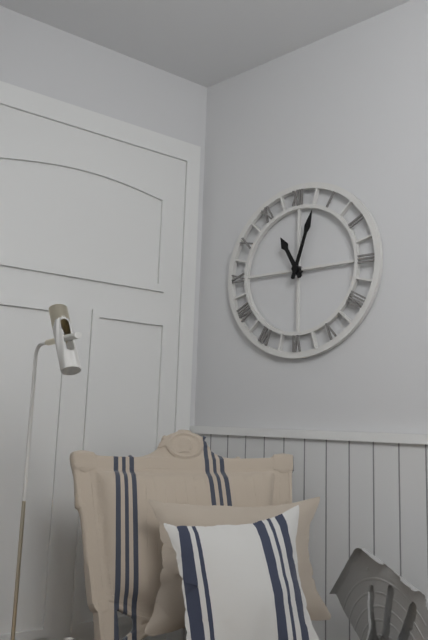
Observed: 11:03
